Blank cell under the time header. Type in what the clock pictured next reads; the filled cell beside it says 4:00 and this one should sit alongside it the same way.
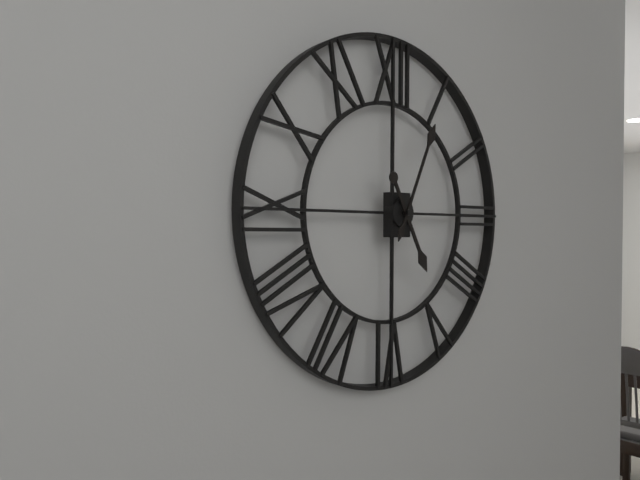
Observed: 5:04
